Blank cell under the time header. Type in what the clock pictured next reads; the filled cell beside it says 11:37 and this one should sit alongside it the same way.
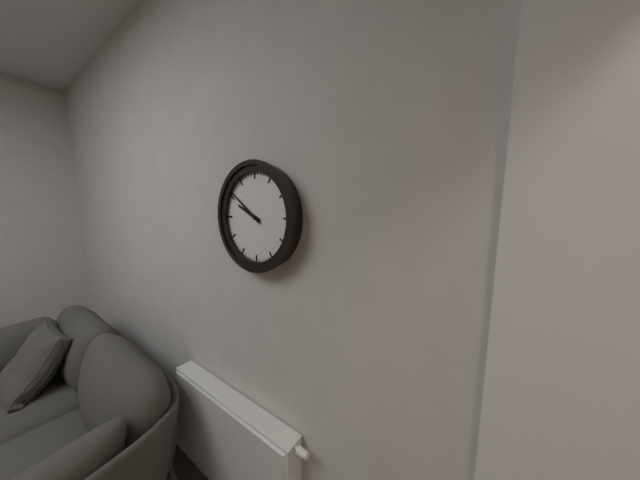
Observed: 9:51
